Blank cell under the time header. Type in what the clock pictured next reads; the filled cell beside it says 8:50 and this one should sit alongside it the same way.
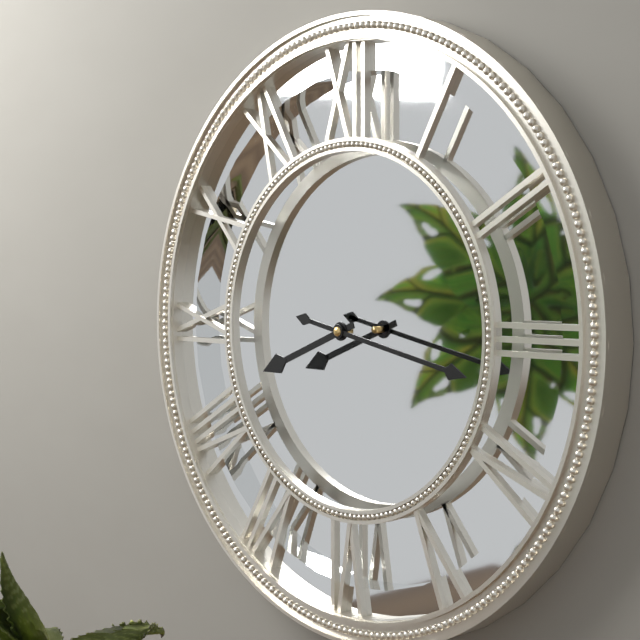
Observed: 8:17
